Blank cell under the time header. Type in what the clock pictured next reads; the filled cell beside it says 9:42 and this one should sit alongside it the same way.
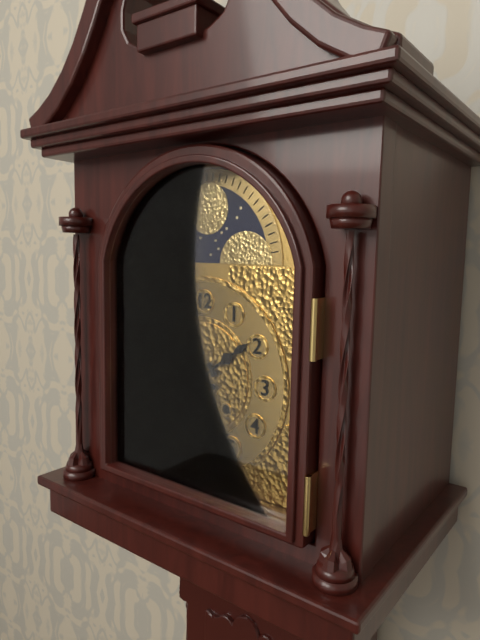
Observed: 1:49
